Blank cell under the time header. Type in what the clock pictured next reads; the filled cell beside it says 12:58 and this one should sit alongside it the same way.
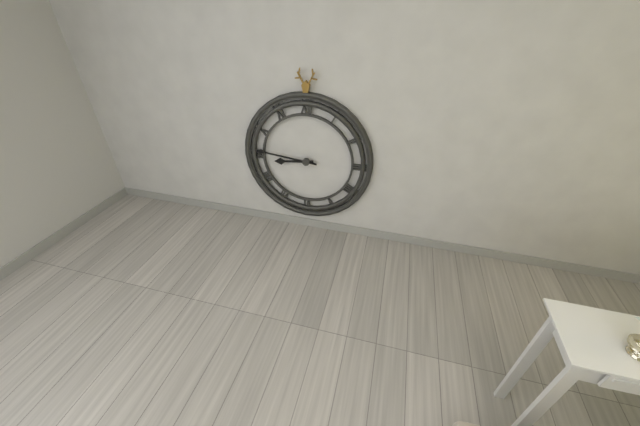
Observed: 8:46
